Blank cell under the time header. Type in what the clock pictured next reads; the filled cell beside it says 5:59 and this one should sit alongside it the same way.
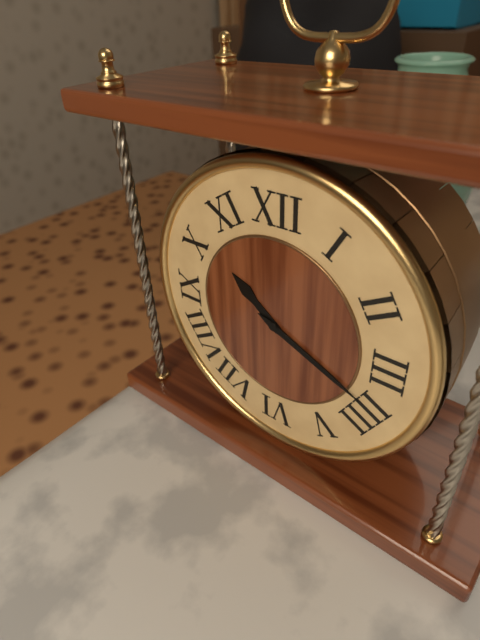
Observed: 10:19
